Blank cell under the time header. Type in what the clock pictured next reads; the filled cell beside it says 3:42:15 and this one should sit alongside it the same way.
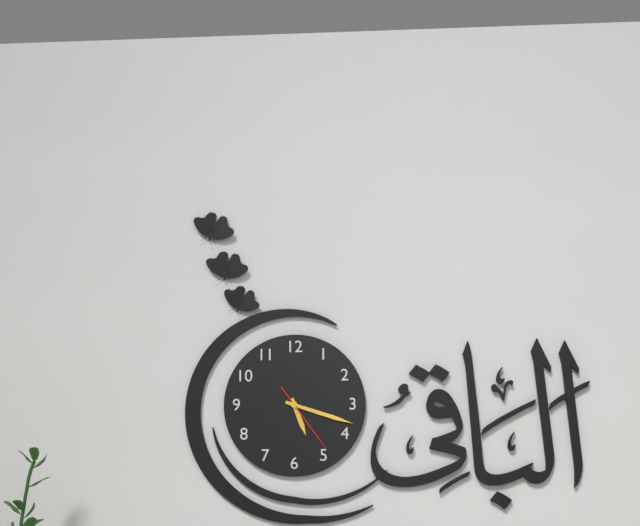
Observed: 5:18:24
